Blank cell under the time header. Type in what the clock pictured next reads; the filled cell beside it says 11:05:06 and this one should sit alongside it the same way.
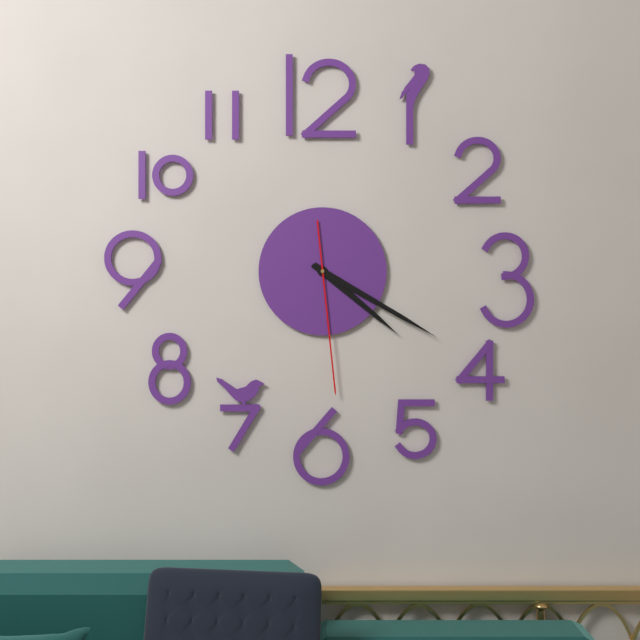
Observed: 4:20:29
